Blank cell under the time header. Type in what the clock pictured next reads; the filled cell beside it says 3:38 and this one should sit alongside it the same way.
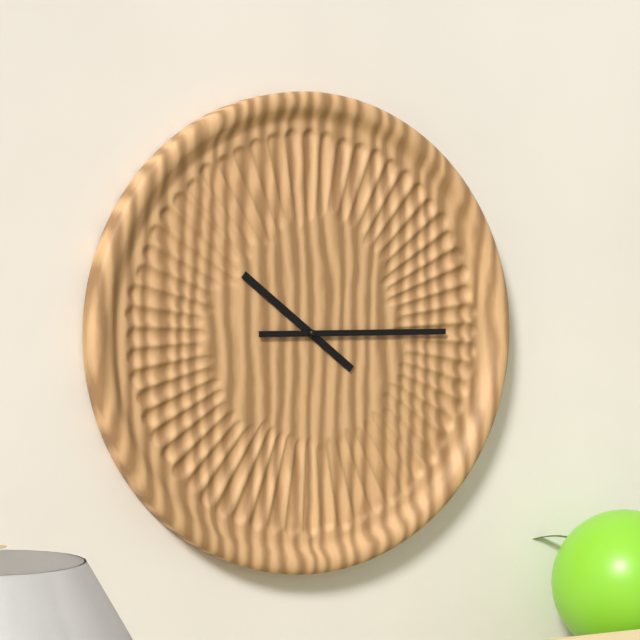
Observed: 10:15
